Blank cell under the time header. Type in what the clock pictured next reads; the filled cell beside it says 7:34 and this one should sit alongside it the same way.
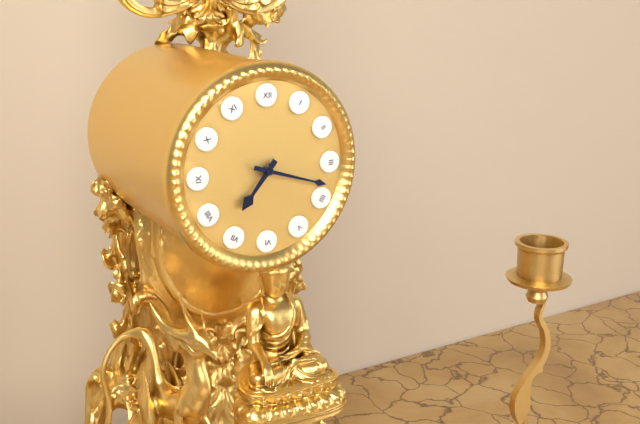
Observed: 7:18
